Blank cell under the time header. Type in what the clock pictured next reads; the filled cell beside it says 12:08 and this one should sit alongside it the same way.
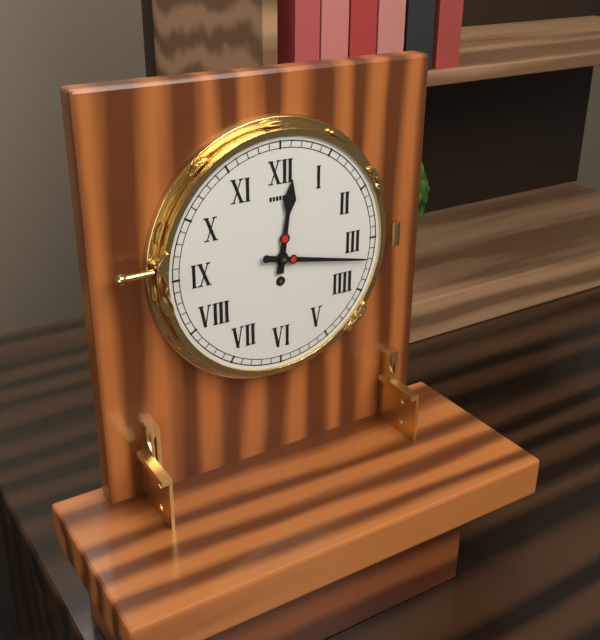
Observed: 12:17
